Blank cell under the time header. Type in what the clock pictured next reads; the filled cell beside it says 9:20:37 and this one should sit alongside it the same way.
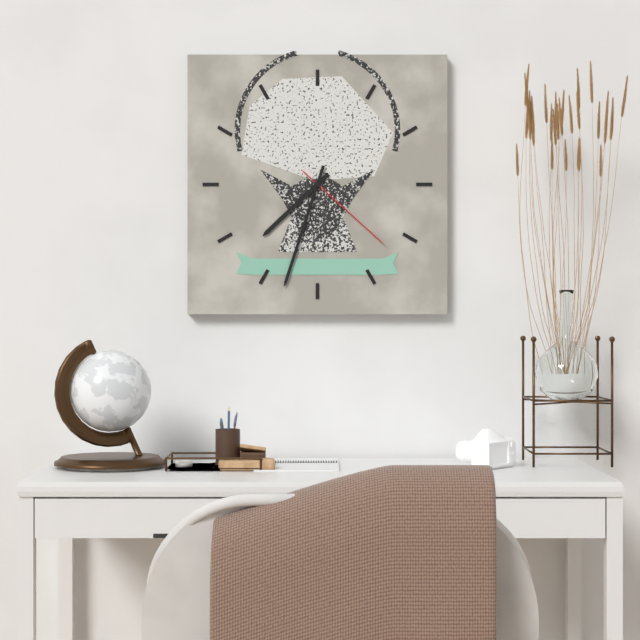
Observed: 7:33:22
